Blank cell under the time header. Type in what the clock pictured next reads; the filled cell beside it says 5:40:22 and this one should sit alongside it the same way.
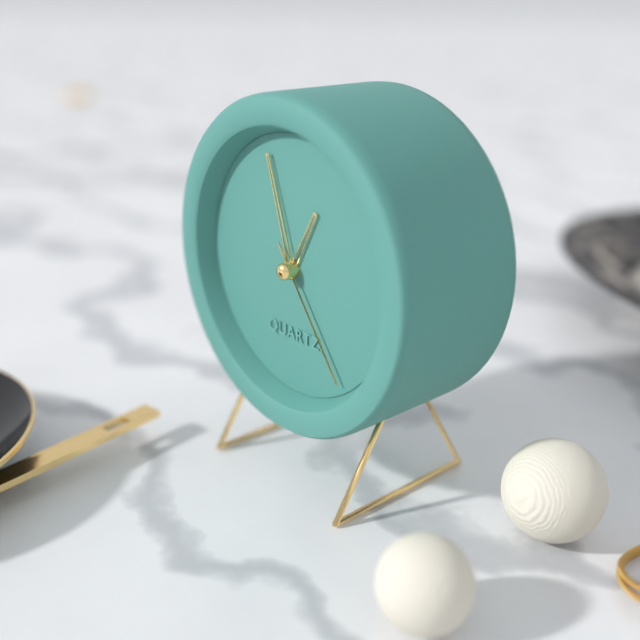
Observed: 12:57:24
